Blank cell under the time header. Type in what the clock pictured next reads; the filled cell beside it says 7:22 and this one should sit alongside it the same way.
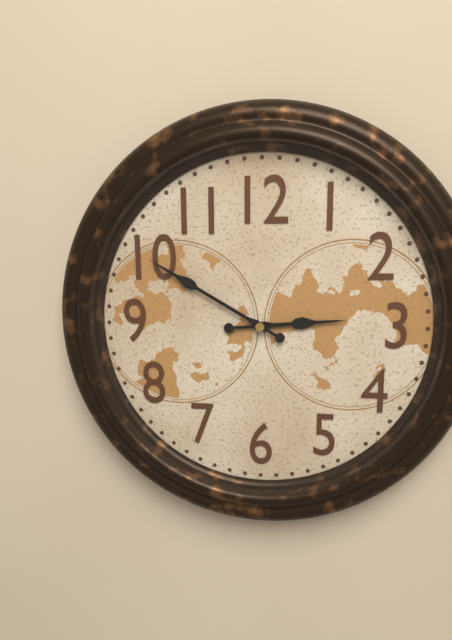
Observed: 2:50
